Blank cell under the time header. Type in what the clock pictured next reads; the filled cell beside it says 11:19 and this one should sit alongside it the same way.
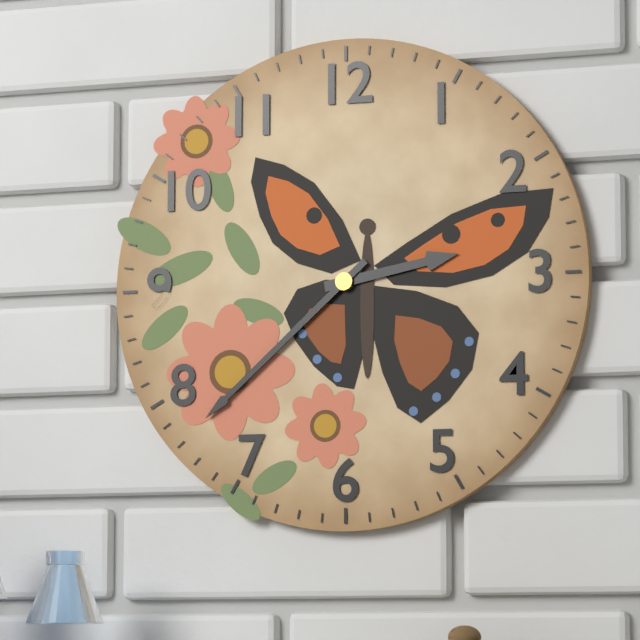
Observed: 2:38
